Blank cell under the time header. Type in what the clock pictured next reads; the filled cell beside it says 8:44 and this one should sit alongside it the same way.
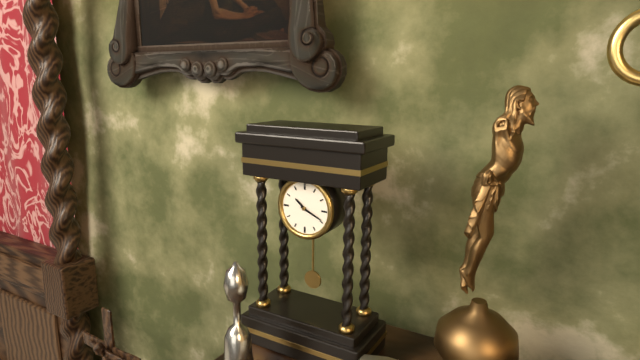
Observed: 10:19
